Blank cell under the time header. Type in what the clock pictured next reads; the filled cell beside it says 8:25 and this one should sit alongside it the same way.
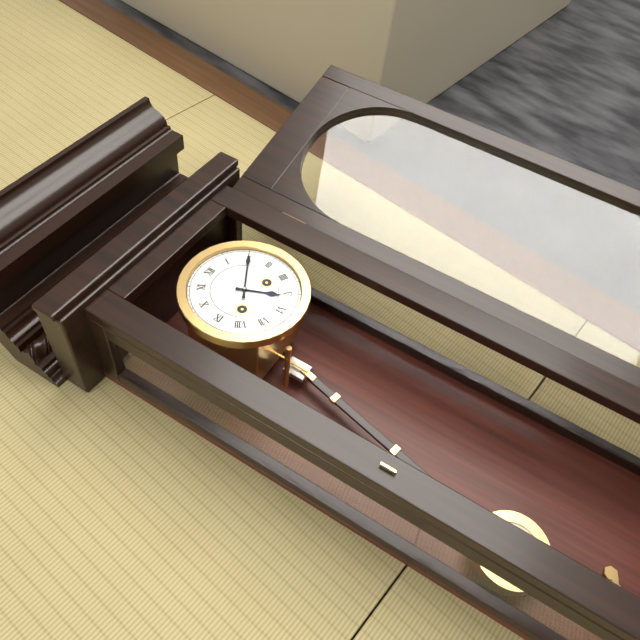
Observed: 5:10
